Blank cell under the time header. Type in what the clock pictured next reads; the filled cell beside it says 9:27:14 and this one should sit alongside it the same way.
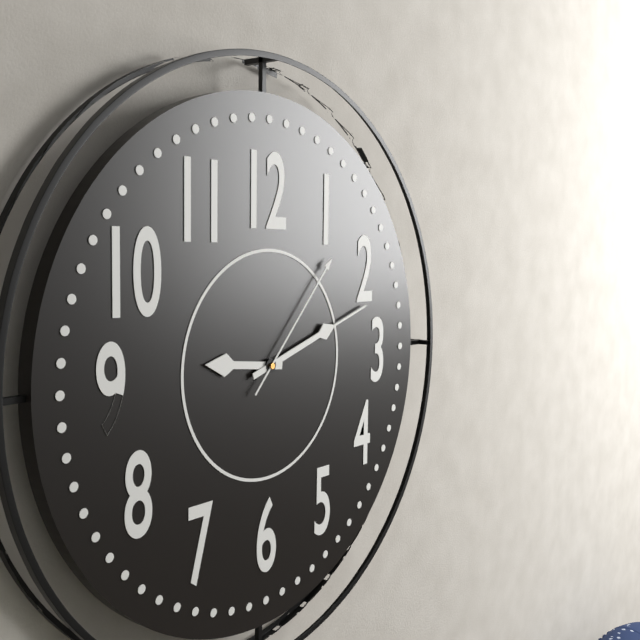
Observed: 9:12:07
